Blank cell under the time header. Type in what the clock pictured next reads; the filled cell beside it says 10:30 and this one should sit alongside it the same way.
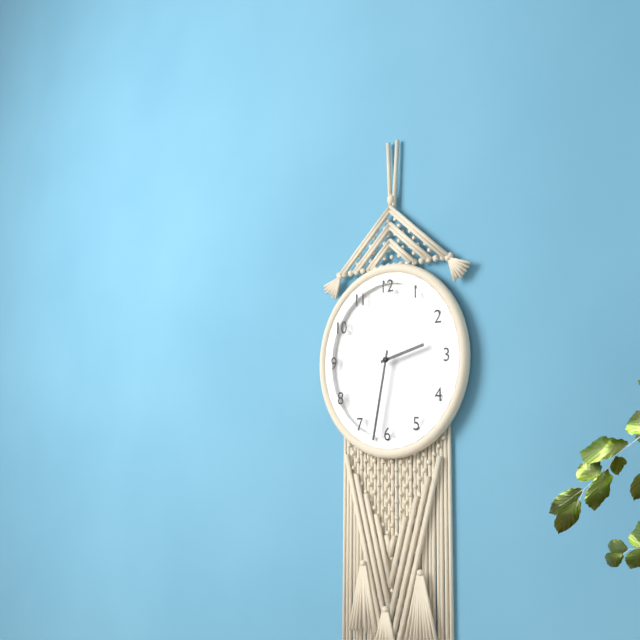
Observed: 2:32
